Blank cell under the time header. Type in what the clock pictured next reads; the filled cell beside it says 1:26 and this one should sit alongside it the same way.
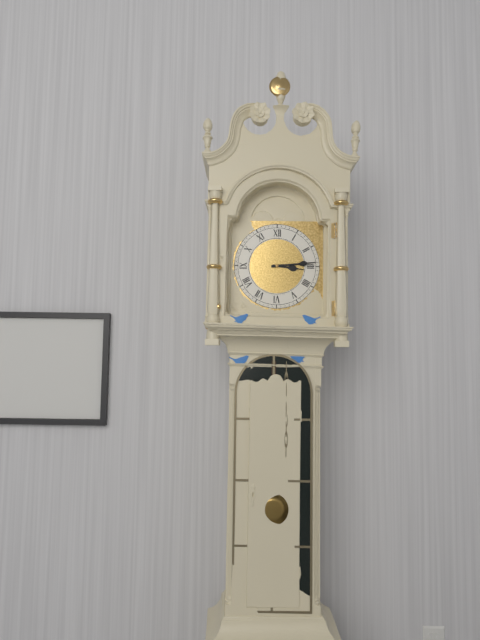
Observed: 3:14
